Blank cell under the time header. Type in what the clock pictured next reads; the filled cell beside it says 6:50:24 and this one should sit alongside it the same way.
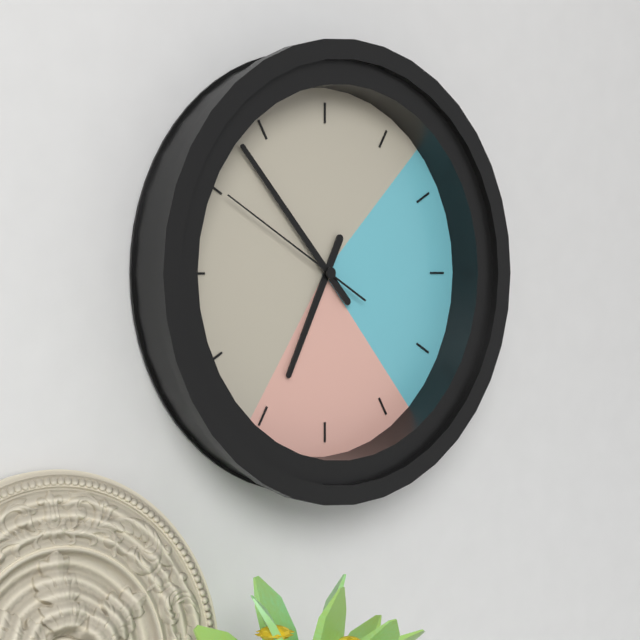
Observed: 6:53:50
